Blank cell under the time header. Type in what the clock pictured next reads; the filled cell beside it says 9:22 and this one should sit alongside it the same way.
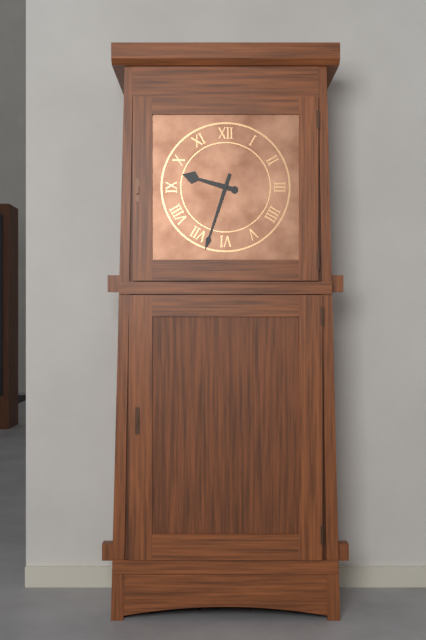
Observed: 9:33
